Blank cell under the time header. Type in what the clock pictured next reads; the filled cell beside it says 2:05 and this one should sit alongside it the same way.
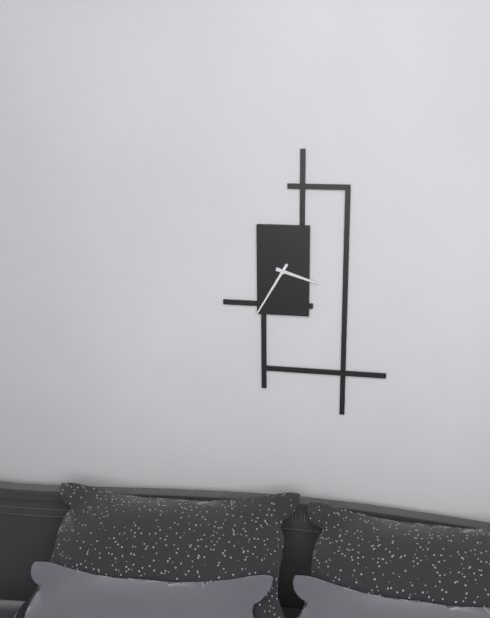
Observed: 3:35
